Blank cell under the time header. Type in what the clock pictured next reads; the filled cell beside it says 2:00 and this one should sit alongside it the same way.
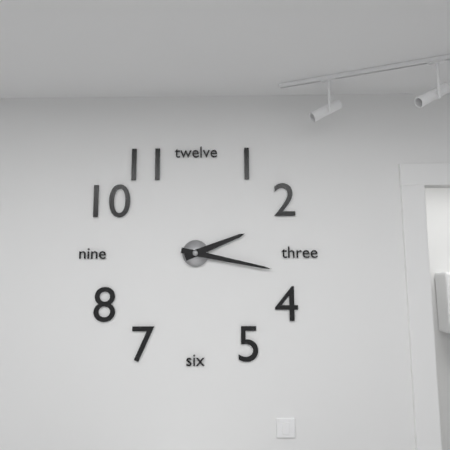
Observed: 2:17
